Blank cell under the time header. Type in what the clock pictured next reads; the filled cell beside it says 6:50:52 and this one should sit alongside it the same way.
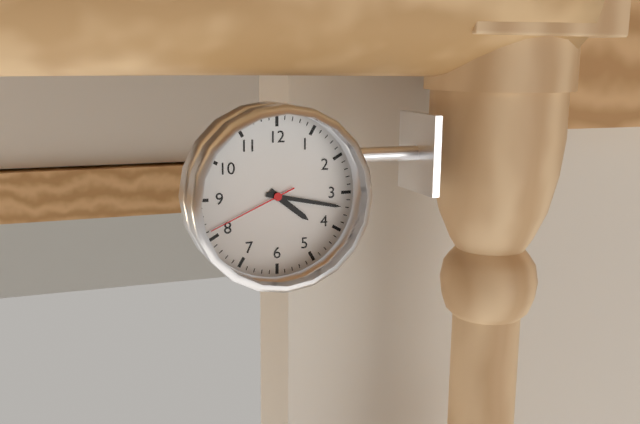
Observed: 4:17:41
